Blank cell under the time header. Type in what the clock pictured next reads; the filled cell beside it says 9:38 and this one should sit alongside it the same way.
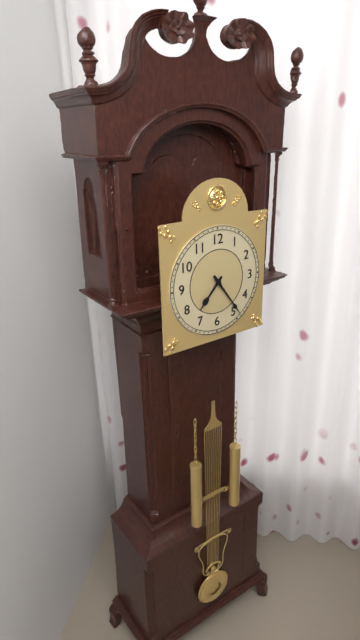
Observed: 7:24
